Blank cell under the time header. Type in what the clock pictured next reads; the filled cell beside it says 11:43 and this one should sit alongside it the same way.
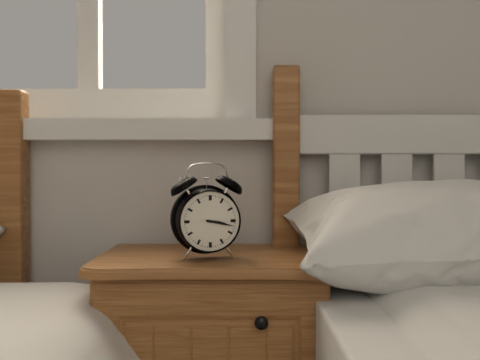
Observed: 3:17
